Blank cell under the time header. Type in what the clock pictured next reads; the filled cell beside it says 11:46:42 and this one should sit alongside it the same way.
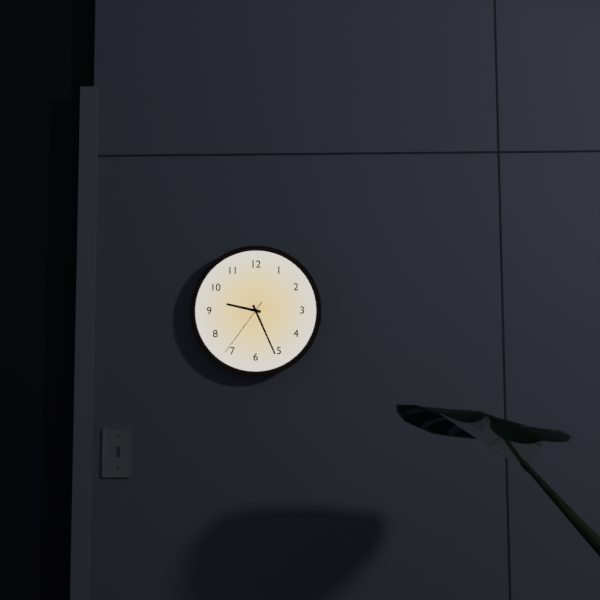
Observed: 9:26:36
